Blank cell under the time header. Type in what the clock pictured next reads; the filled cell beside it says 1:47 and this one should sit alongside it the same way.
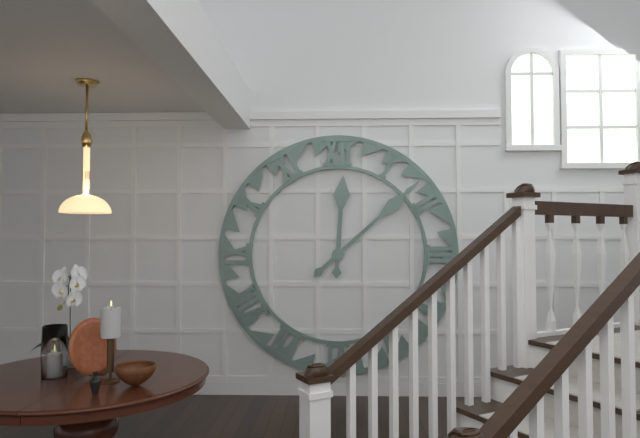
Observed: 12:08
